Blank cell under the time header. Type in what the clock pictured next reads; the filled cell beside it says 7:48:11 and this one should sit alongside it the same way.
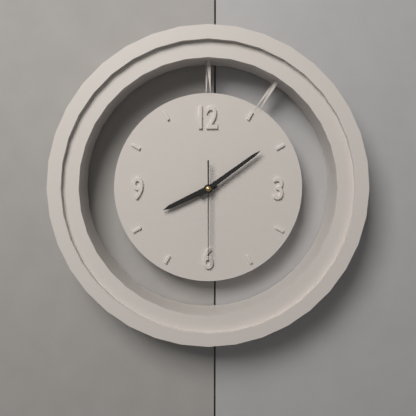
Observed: 8:09:30
